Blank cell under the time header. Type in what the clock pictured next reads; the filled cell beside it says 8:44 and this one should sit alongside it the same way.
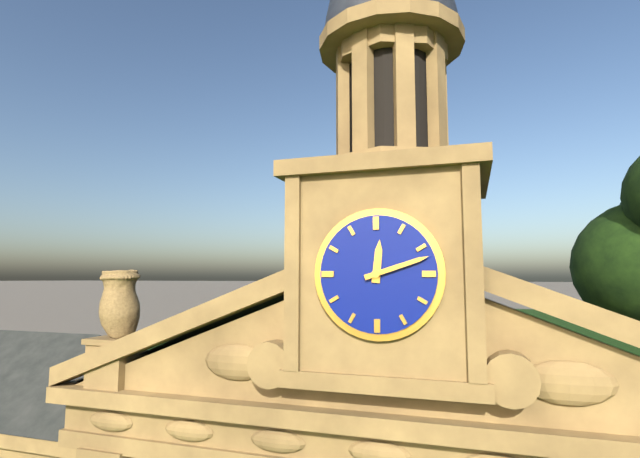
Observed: 12:12
